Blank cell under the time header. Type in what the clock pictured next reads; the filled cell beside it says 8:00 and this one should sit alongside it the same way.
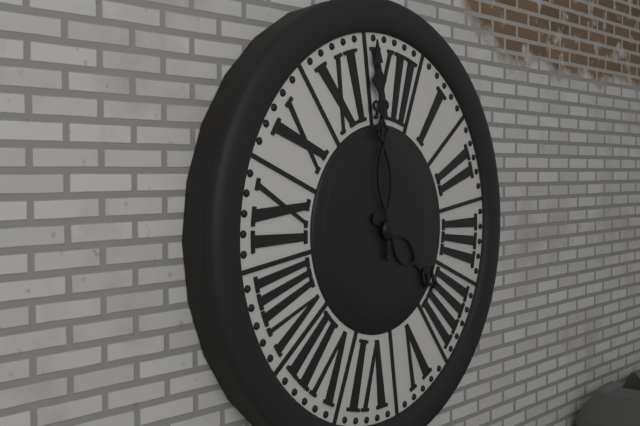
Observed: 3:58
